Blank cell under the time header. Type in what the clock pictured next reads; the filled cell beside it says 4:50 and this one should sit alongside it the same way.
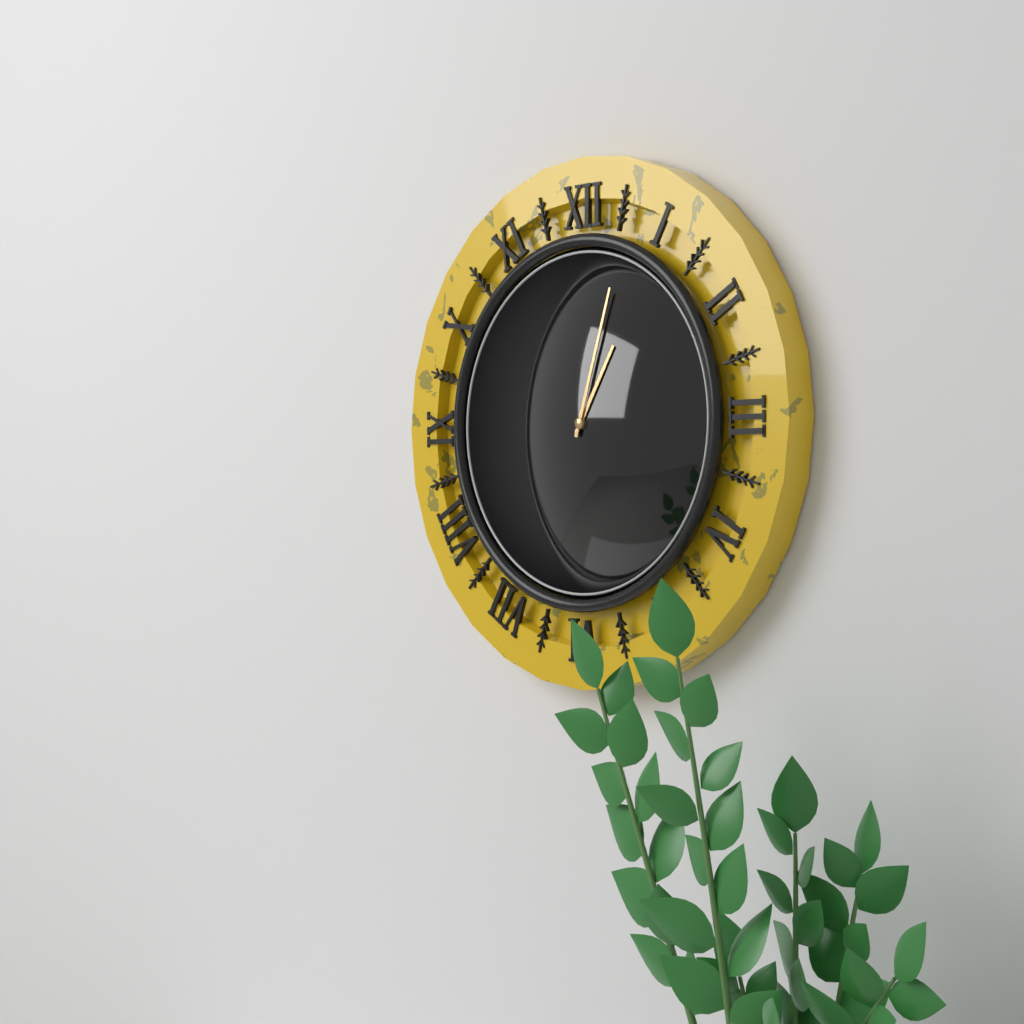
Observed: 1:03
